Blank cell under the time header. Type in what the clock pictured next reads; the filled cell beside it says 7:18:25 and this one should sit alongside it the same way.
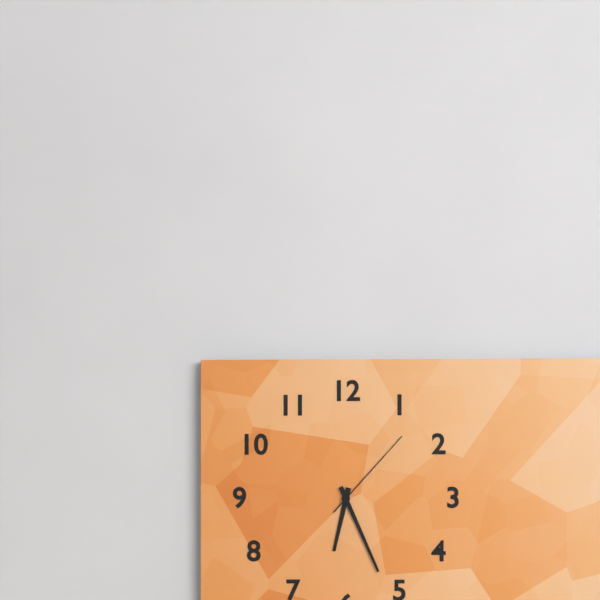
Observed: 6:26:07
